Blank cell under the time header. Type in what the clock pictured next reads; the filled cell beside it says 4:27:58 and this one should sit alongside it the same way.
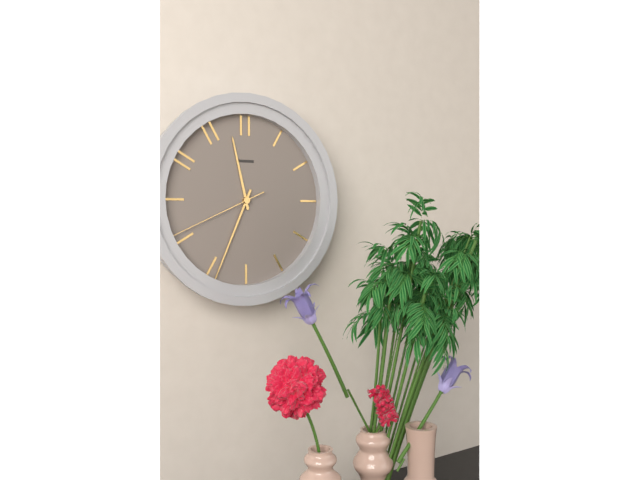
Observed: 11:34:41
